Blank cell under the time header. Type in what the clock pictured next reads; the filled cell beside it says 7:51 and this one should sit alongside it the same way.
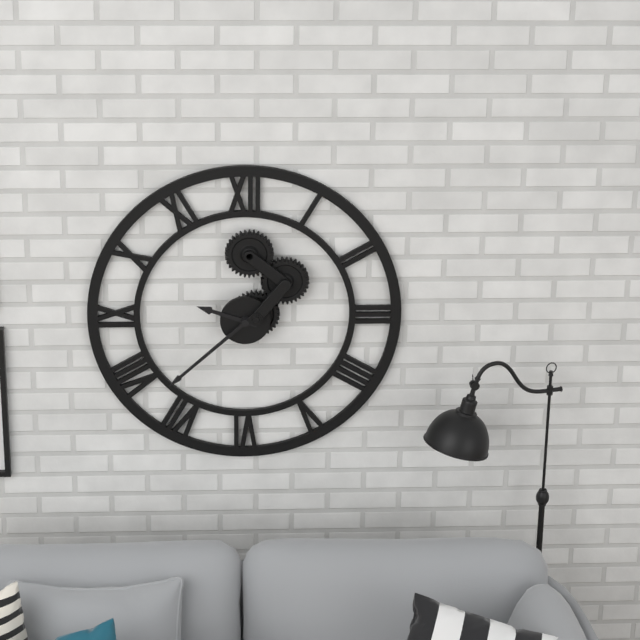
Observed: 9:38
